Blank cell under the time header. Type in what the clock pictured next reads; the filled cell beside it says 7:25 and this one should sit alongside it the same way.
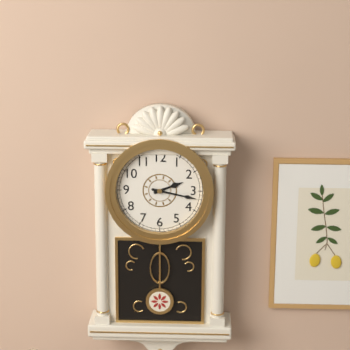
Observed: 2:17
